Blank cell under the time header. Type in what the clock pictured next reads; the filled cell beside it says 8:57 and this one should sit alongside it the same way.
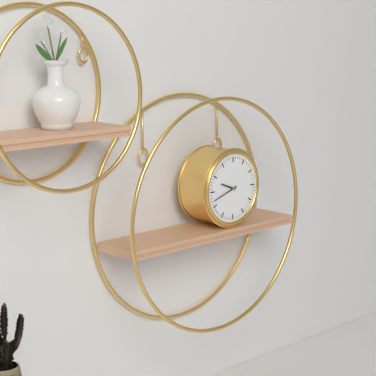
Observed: 9:42
